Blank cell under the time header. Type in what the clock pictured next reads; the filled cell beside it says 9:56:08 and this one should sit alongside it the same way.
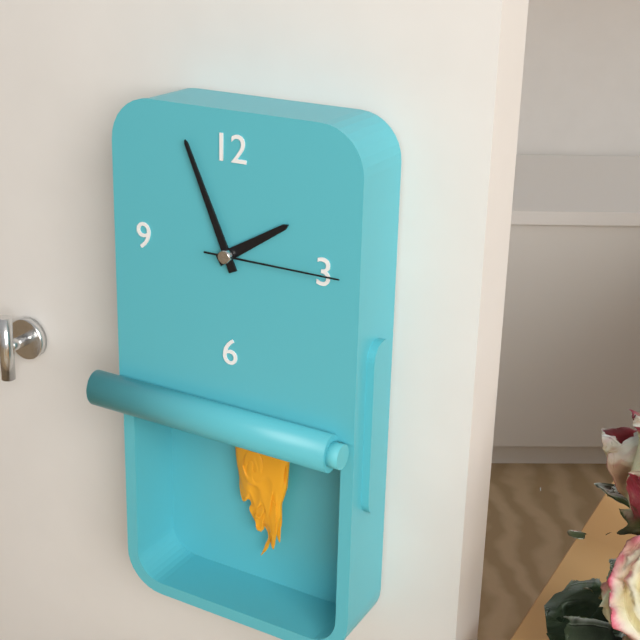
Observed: 1:56:15
